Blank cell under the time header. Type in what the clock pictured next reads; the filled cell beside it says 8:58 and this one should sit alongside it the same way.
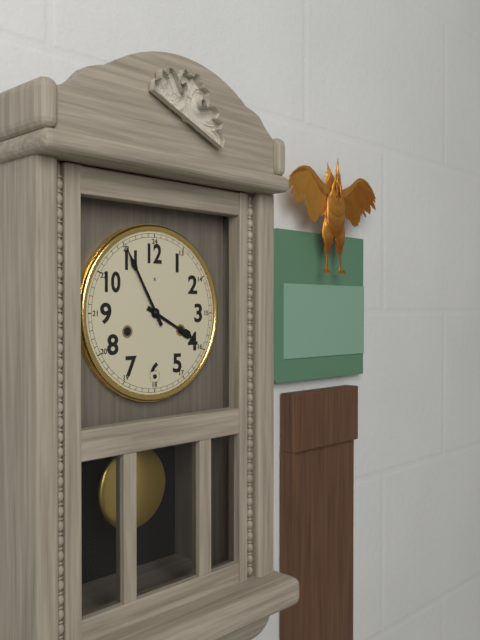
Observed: 3:55
